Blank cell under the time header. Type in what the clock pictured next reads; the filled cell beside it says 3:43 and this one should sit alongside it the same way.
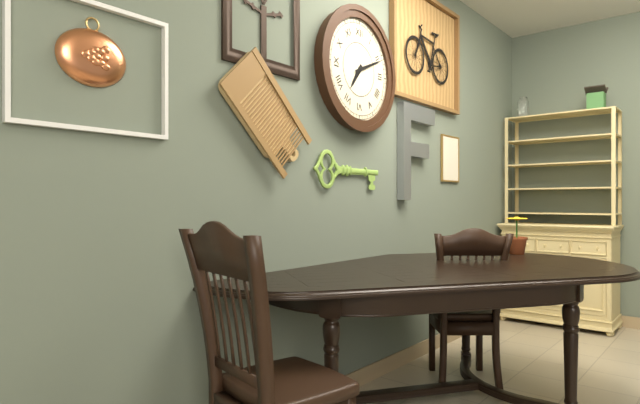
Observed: 7:11
